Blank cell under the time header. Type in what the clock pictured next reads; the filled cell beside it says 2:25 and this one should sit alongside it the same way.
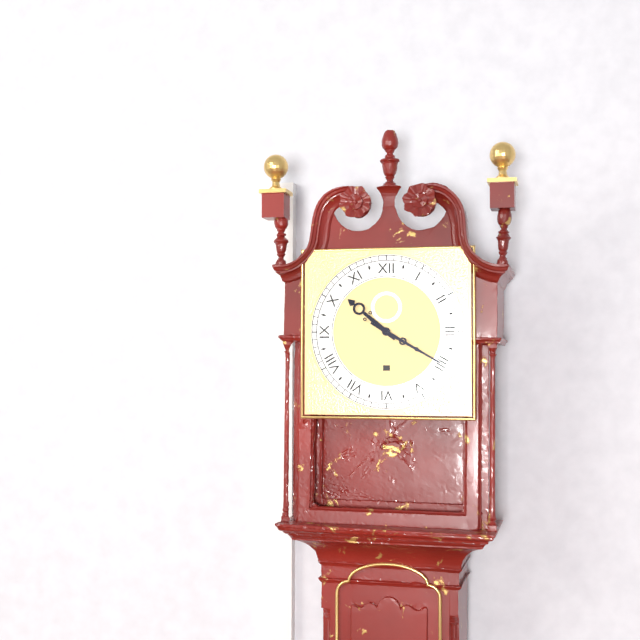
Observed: 10:20
